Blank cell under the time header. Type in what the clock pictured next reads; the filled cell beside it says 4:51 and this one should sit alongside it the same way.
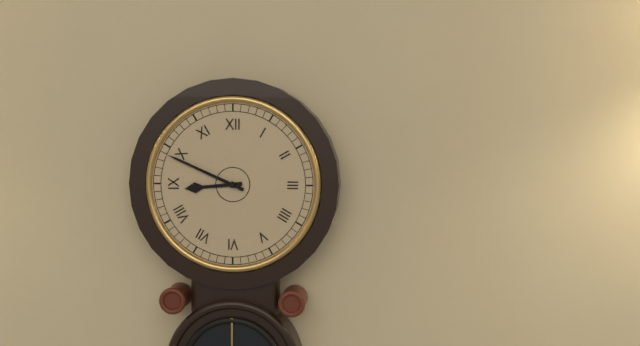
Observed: 8:49
